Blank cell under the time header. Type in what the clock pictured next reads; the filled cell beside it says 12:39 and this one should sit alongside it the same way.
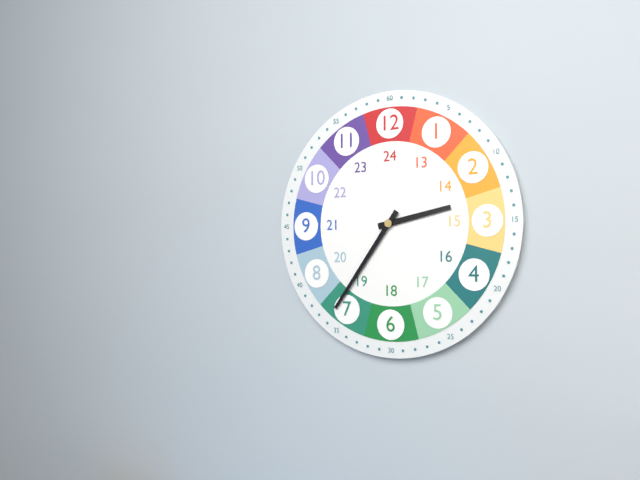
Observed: 2:36
